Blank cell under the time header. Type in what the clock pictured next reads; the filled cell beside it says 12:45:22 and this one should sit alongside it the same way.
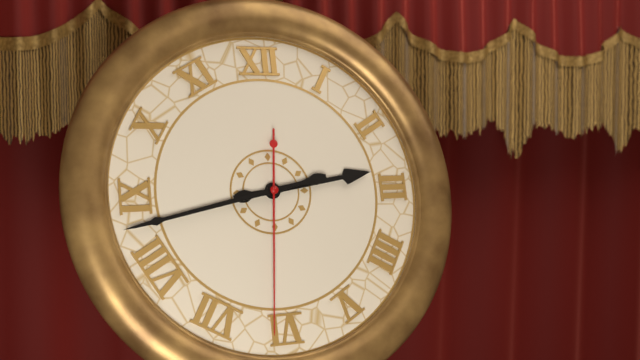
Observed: 2:43:31
